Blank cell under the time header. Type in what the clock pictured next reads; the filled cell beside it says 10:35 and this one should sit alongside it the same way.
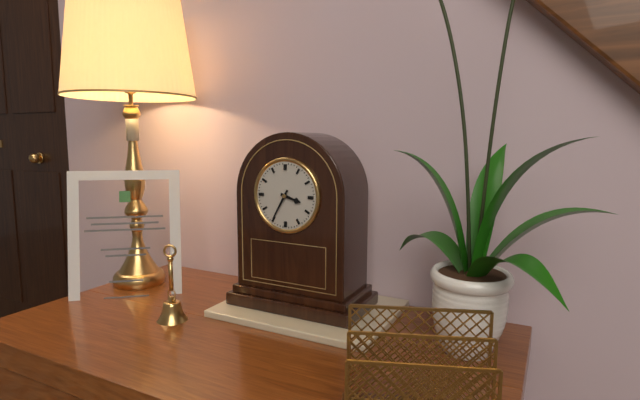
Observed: 3:35
